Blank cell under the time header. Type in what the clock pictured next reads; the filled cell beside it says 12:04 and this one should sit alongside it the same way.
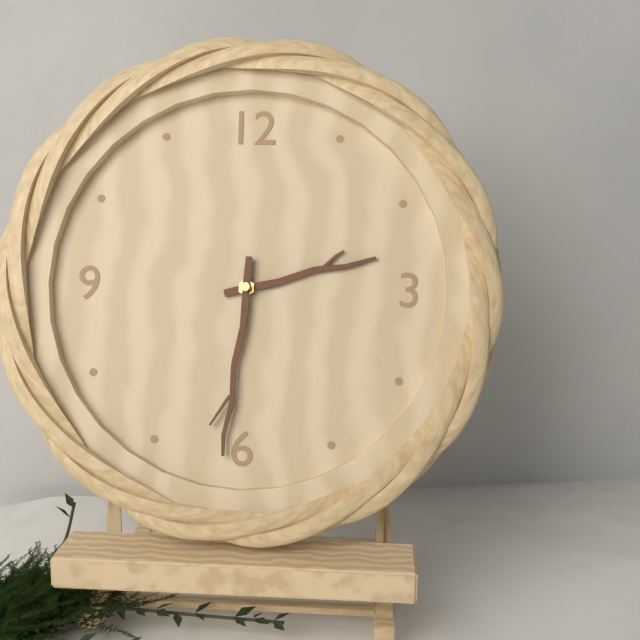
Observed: 2:31
